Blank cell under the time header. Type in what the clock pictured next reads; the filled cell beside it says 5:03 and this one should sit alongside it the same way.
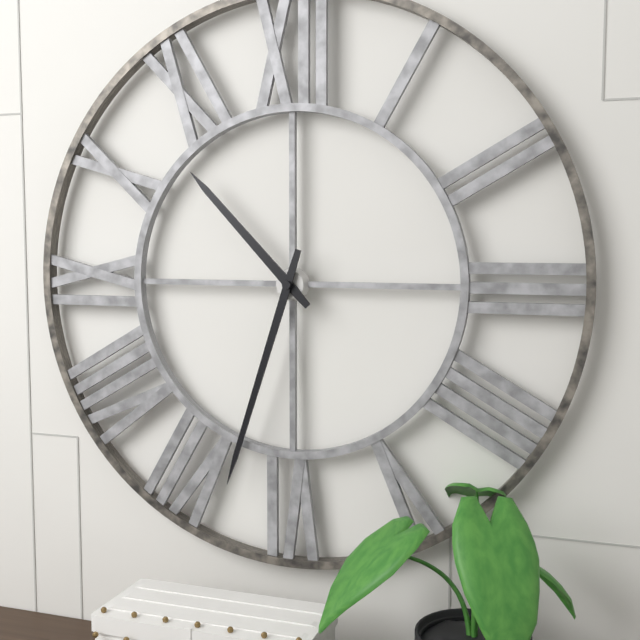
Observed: 10:33
